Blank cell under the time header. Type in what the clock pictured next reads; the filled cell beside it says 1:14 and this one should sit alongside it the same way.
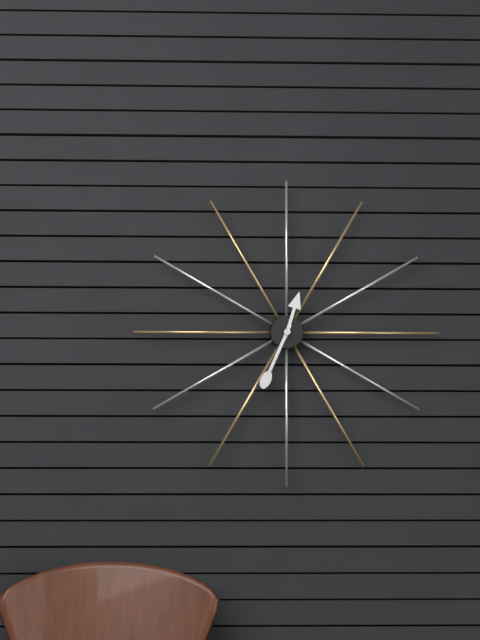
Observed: 12:34
